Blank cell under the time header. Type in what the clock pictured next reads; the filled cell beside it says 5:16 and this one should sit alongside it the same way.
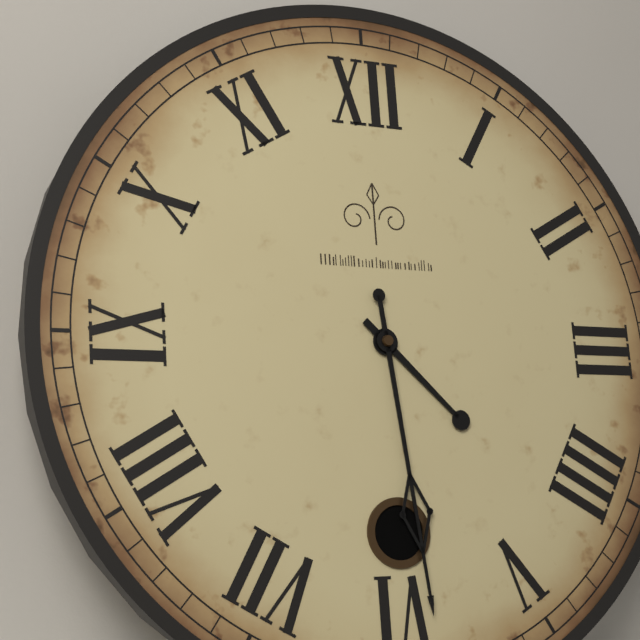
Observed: 4:29
